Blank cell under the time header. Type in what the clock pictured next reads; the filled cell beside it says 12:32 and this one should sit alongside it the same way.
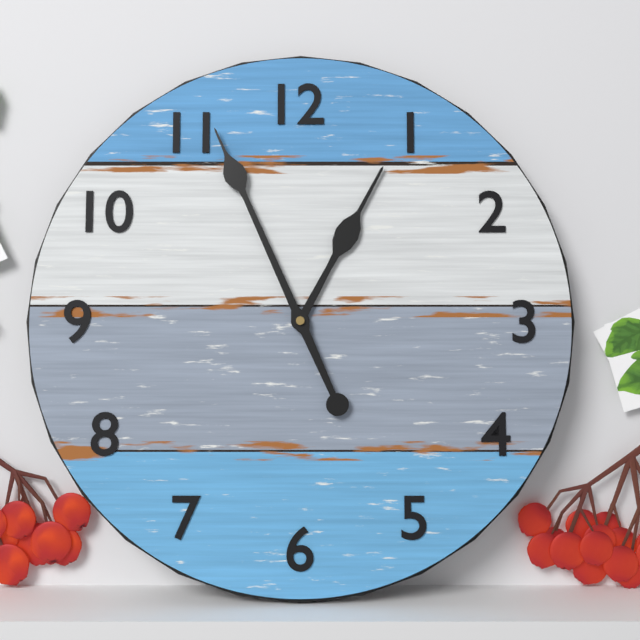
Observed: 12:56
